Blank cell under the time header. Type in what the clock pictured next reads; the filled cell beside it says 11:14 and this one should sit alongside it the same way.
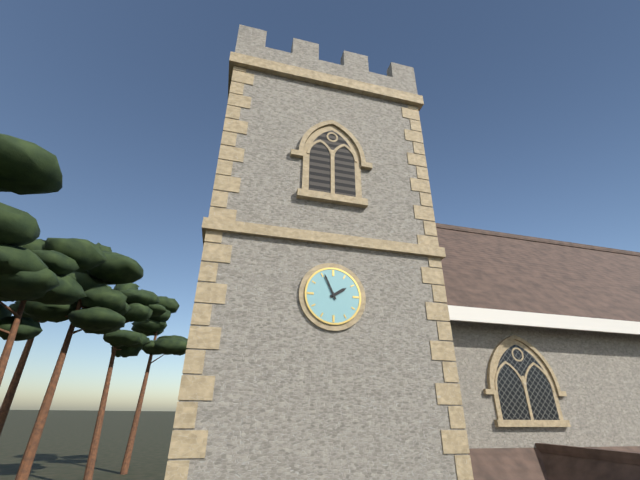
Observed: 1:56
